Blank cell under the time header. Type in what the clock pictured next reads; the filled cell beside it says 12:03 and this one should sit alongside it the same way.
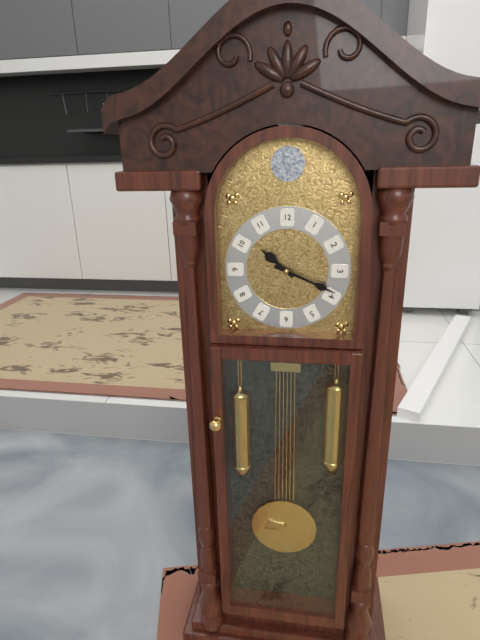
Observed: 10:19
